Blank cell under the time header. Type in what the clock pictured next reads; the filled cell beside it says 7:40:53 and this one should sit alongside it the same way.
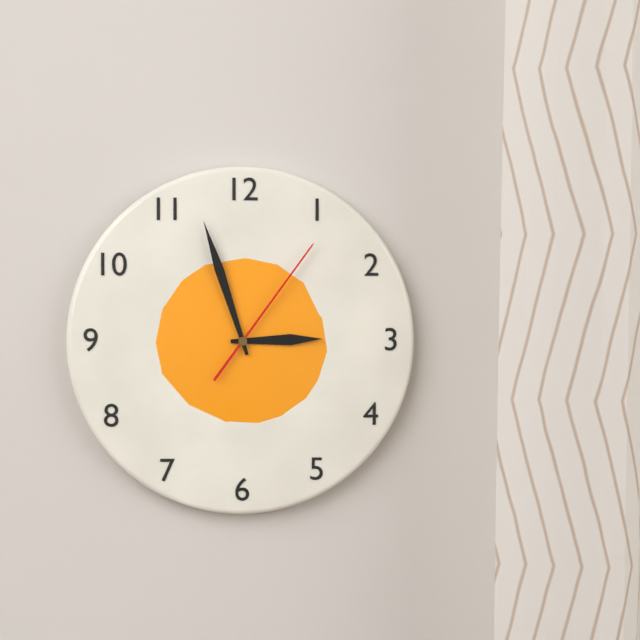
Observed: 2:57:06
